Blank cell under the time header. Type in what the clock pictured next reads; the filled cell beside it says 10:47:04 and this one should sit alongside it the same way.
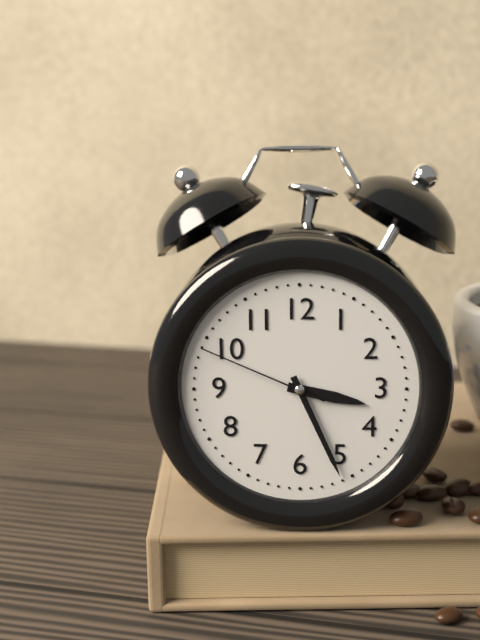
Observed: 3:26:49
